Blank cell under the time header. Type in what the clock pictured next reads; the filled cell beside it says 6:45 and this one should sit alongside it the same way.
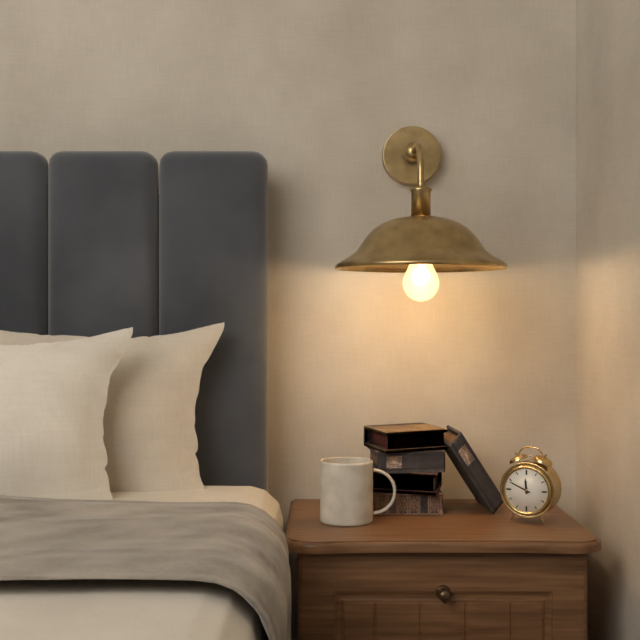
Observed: 11:49
